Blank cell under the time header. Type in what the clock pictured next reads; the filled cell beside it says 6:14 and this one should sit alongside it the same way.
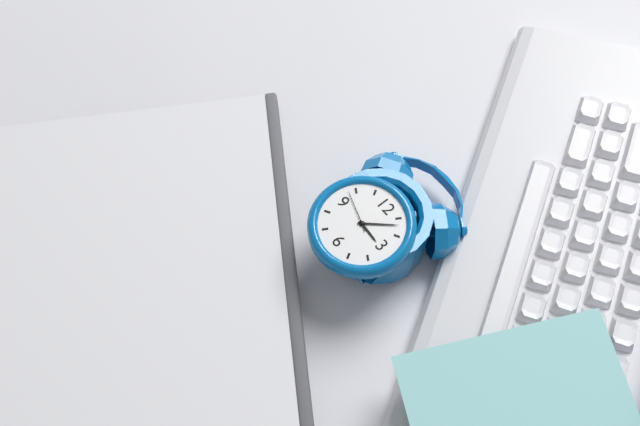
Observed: 3:07
